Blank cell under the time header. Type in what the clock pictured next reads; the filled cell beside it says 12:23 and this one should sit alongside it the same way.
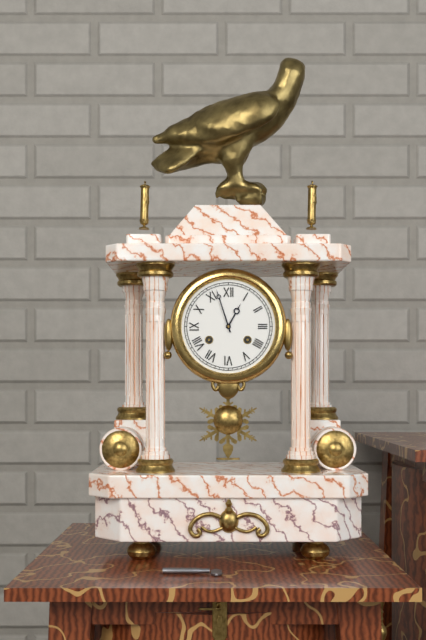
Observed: 12:57
